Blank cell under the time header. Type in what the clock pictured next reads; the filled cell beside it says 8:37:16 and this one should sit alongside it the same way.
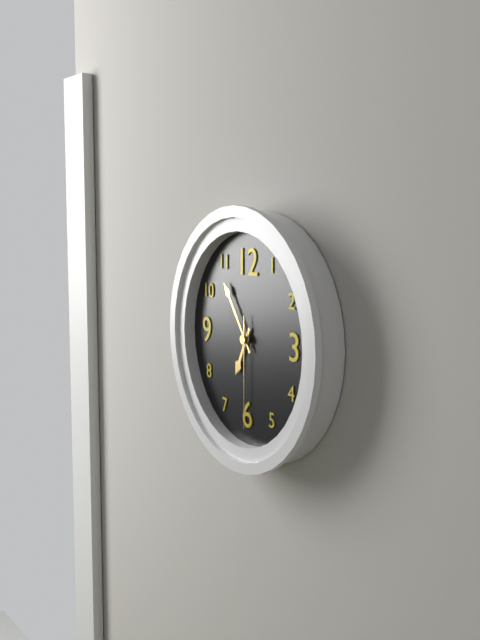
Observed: 6:54:30
